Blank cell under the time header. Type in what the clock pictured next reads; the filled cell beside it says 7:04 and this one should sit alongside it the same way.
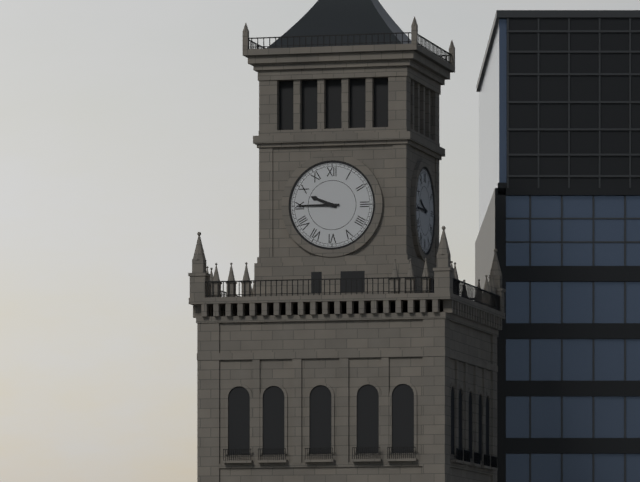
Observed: 9:45
